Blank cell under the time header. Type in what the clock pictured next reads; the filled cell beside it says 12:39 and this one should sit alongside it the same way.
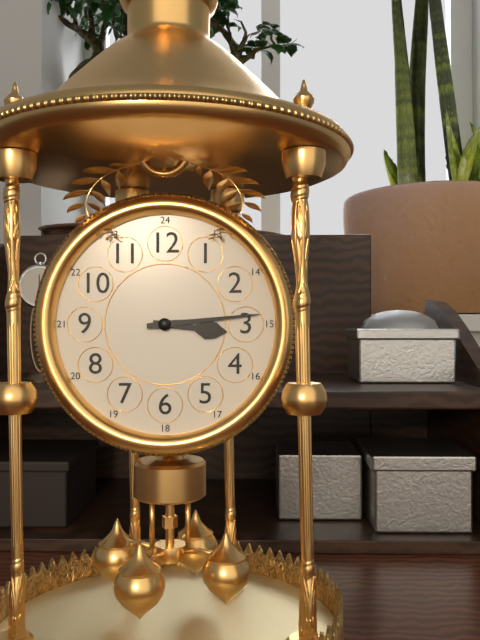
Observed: 3:14
